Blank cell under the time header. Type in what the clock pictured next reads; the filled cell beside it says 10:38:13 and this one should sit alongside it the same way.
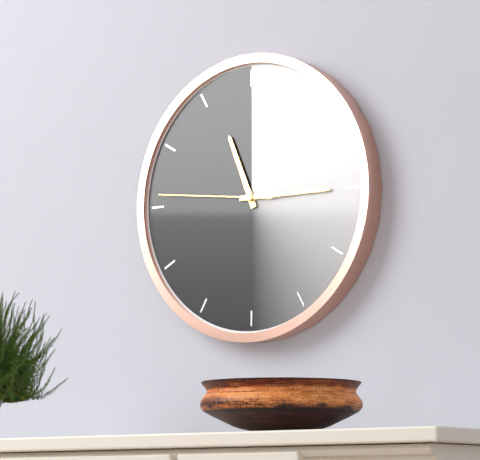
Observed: 11:15:46
